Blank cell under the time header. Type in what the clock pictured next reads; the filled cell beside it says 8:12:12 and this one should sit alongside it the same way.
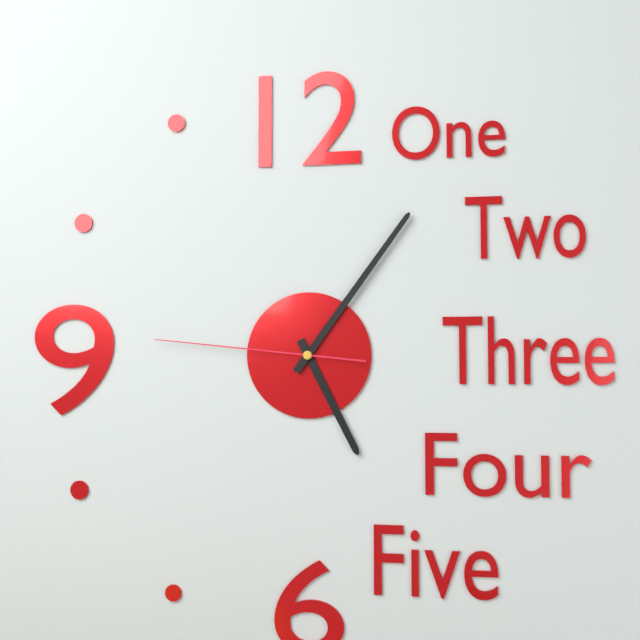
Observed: 5:06:46
